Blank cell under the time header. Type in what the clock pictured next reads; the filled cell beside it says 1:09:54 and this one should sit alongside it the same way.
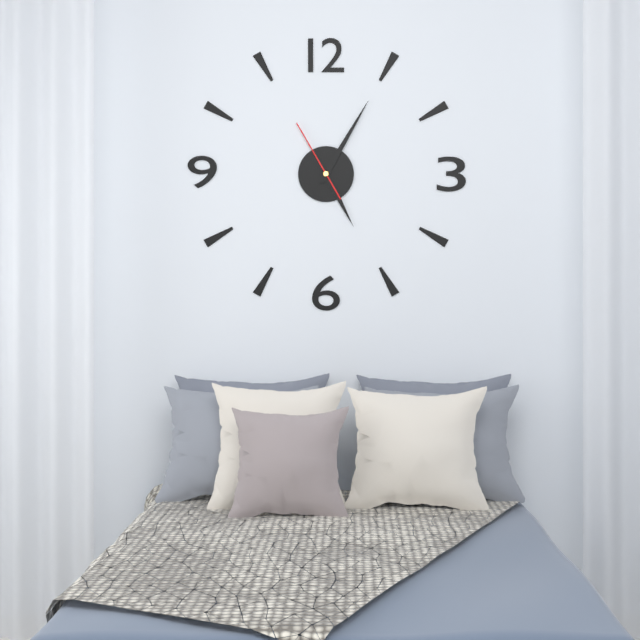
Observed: 5:05:55
